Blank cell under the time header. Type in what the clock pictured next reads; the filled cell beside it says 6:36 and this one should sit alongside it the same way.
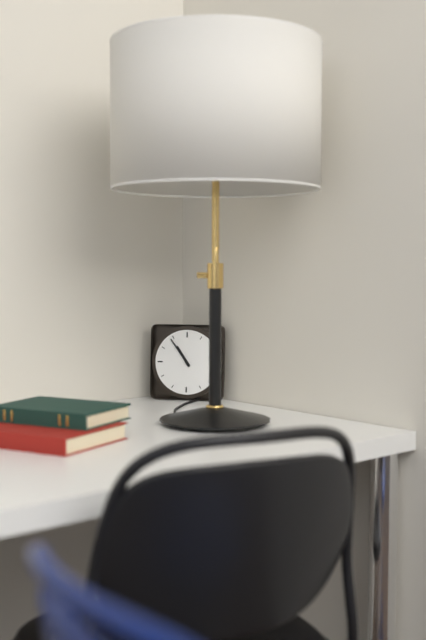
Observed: 10:54
